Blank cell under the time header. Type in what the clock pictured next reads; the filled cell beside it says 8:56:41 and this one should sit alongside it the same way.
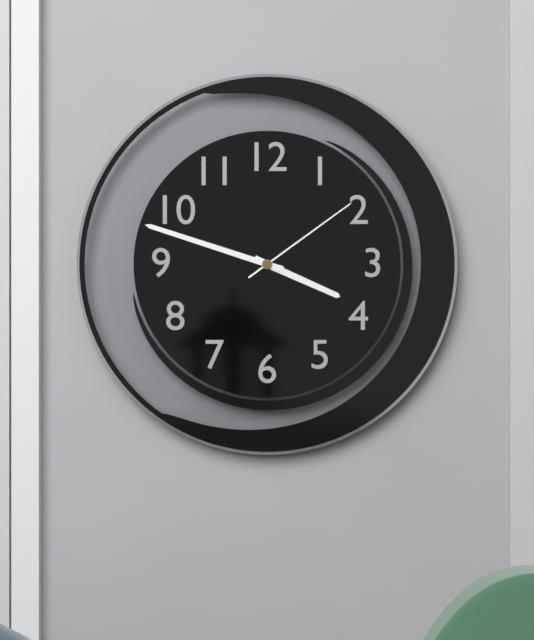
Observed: 3:48:09
